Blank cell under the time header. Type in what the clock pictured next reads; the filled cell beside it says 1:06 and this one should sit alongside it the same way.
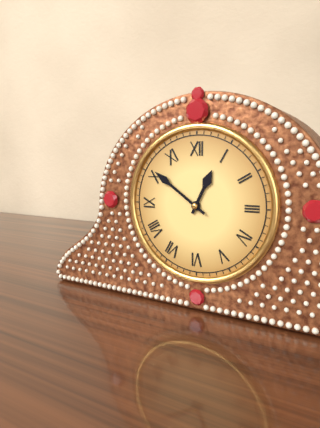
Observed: 12:51
